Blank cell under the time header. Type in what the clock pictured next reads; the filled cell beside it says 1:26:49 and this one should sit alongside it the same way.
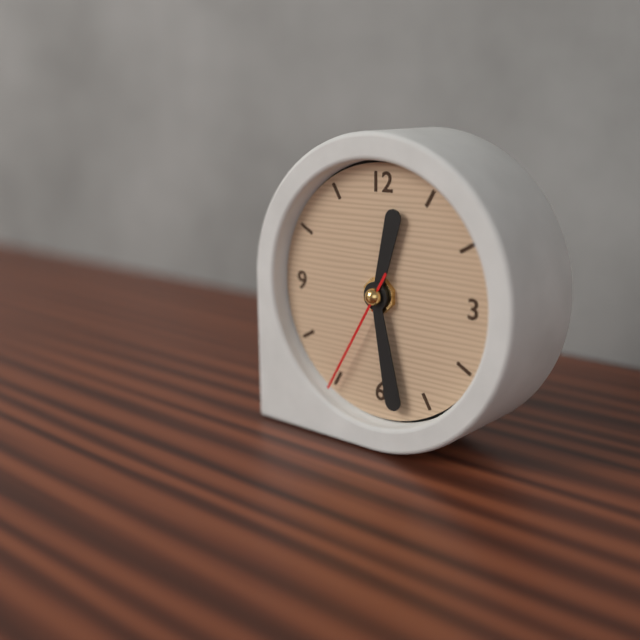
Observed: 12:28:35
